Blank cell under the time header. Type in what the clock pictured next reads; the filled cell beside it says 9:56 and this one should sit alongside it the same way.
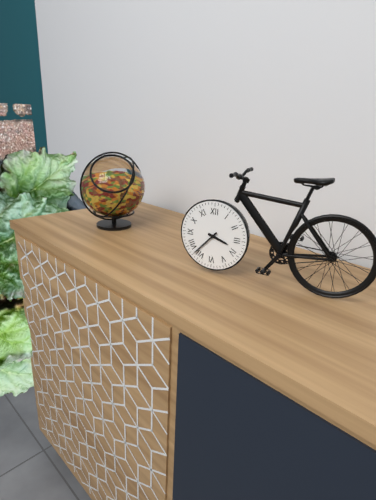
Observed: 3:37
